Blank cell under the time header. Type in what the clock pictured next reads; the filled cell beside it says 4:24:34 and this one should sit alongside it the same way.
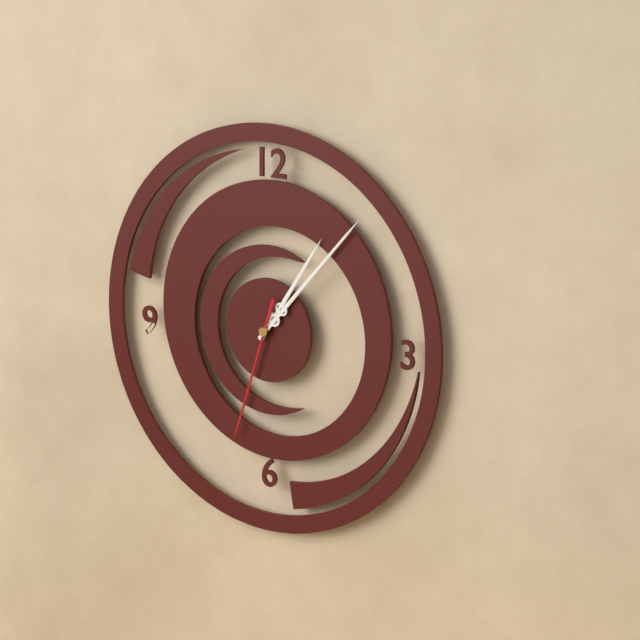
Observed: 1:07:33
